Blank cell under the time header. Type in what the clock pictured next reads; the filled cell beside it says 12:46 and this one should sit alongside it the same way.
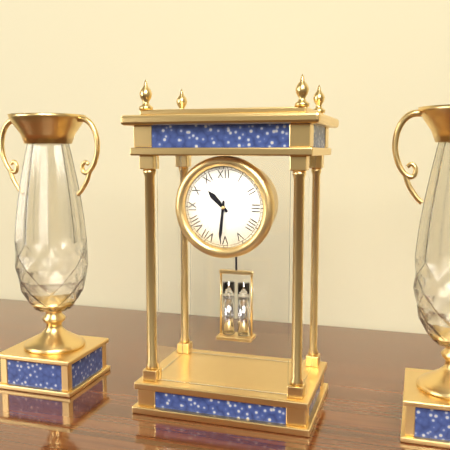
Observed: 10:31
